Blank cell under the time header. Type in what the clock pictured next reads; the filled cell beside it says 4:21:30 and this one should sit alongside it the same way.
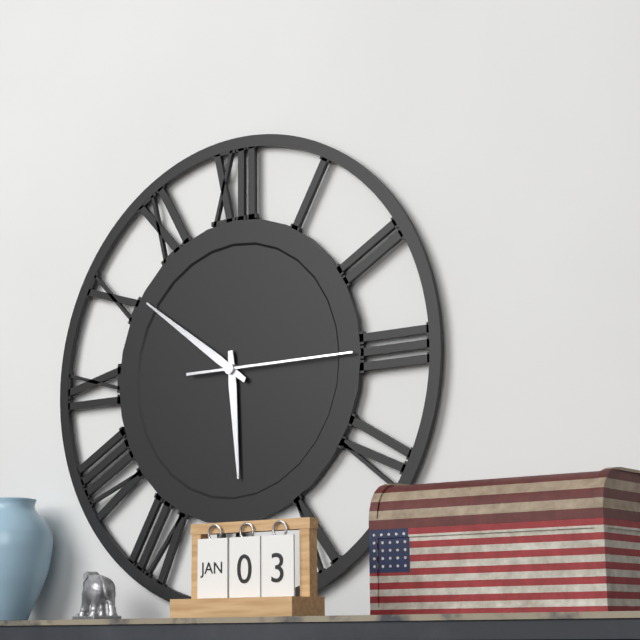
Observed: 5:51:15
